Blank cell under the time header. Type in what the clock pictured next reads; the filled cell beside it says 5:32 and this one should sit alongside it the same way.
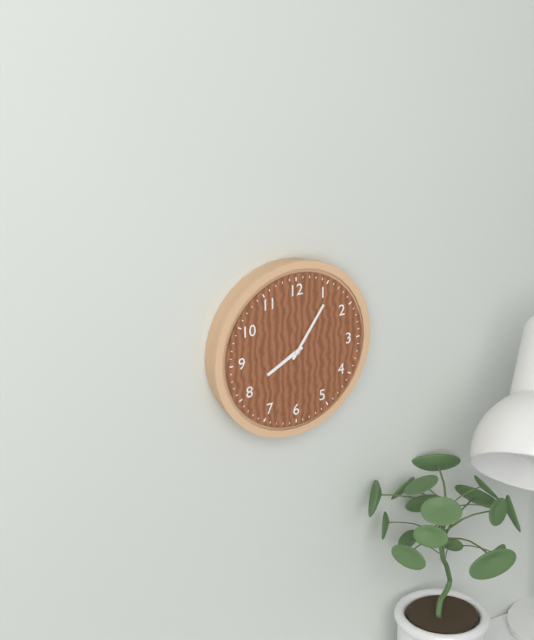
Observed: 8:06
